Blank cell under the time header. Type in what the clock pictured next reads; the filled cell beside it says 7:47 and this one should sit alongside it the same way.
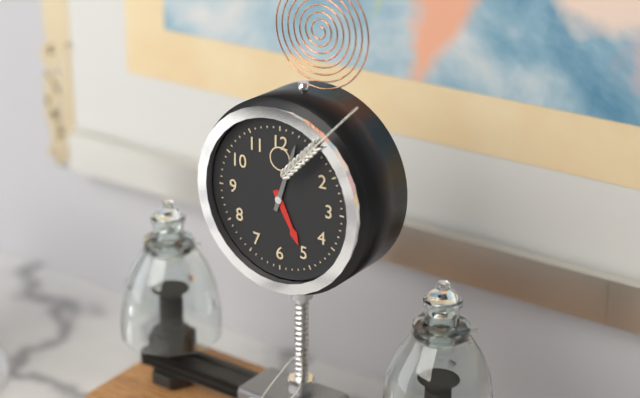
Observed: 5:03
